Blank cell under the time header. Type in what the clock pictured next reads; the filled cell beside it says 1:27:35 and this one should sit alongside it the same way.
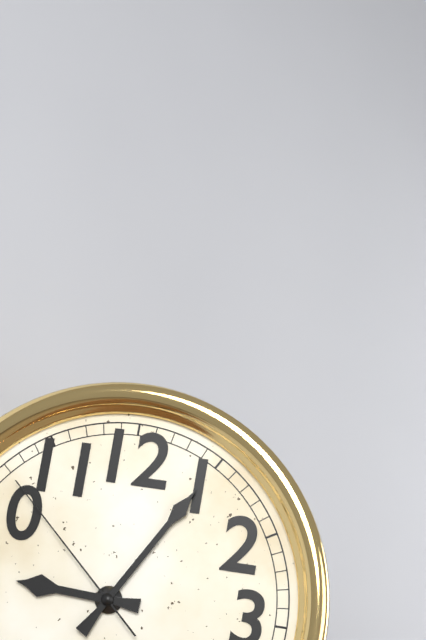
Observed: 9:05:52
